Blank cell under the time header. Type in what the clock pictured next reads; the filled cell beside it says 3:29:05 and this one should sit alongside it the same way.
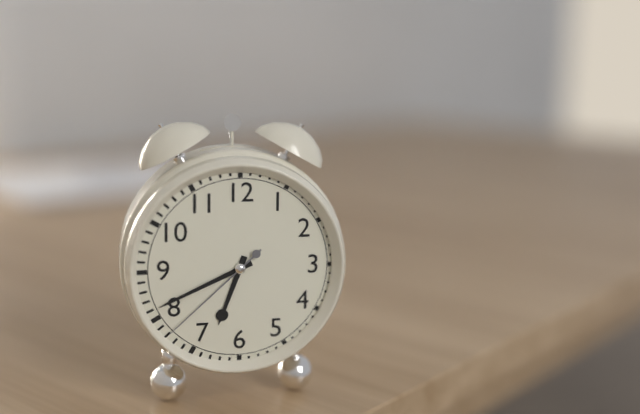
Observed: 6:41:38
